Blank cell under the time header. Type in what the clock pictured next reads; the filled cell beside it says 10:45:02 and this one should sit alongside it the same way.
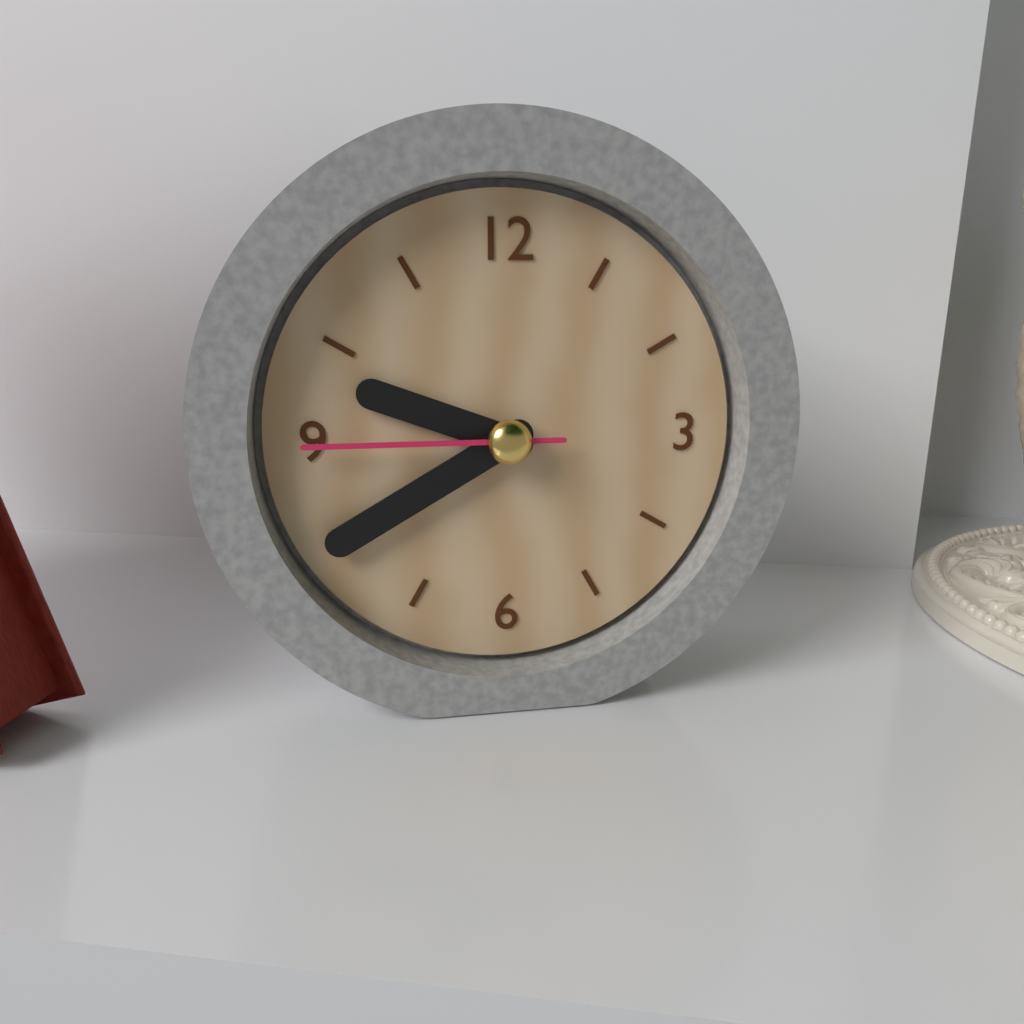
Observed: 9:40:45
